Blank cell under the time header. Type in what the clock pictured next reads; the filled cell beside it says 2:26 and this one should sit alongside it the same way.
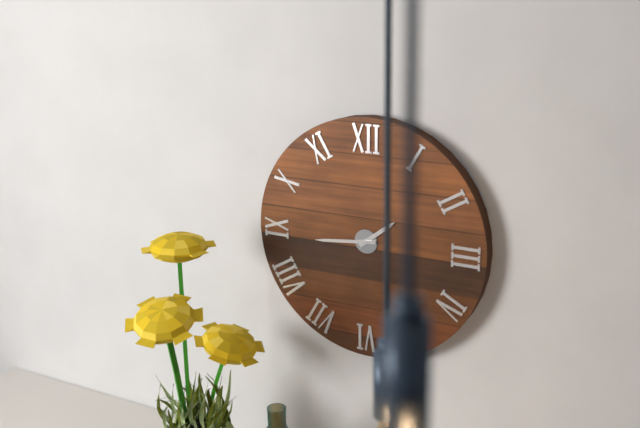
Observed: 1:44
